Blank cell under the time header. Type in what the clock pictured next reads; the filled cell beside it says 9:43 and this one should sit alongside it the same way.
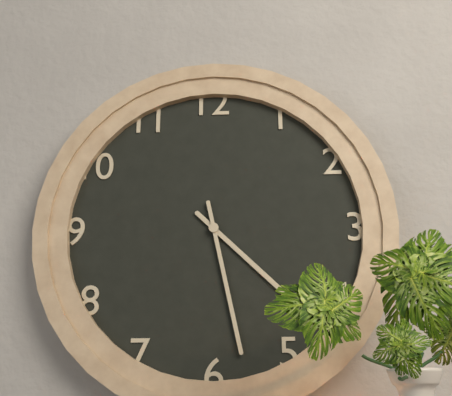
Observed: 4:28
